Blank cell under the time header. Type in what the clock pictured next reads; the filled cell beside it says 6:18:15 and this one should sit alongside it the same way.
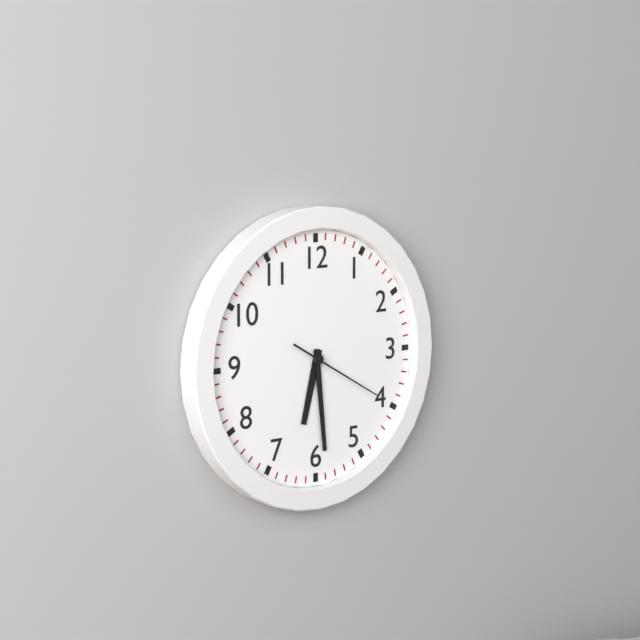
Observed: 6:29:20
